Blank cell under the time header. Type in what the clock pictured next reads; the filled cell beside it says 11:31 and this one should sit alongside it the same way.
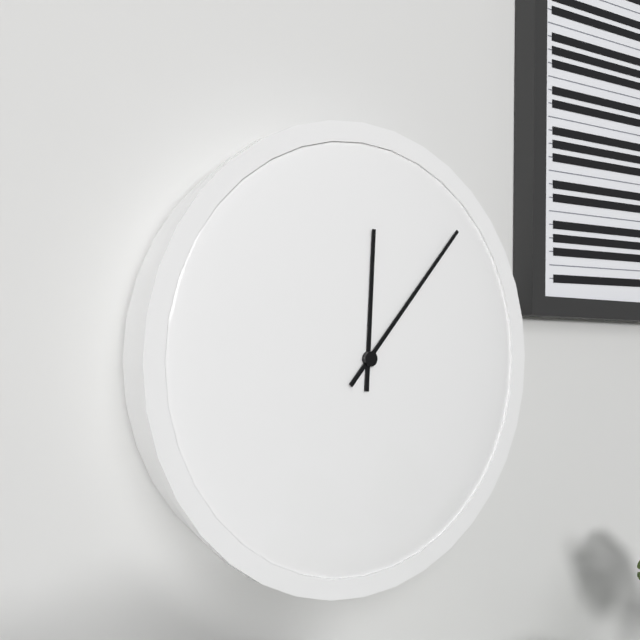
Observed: 12:07
